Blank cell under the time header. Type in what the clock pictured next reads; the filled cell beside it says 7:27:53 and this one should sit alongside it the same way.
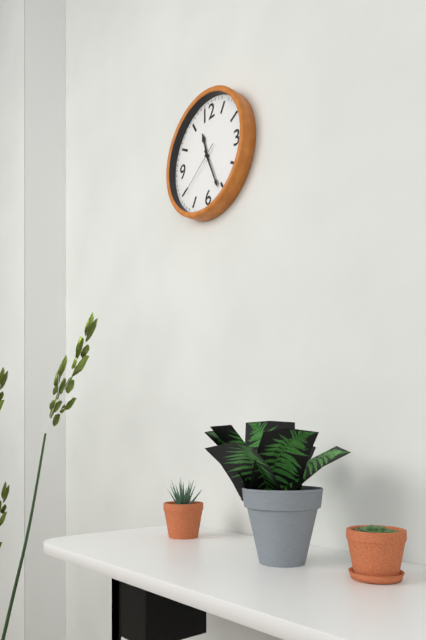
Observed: 11:26:39
